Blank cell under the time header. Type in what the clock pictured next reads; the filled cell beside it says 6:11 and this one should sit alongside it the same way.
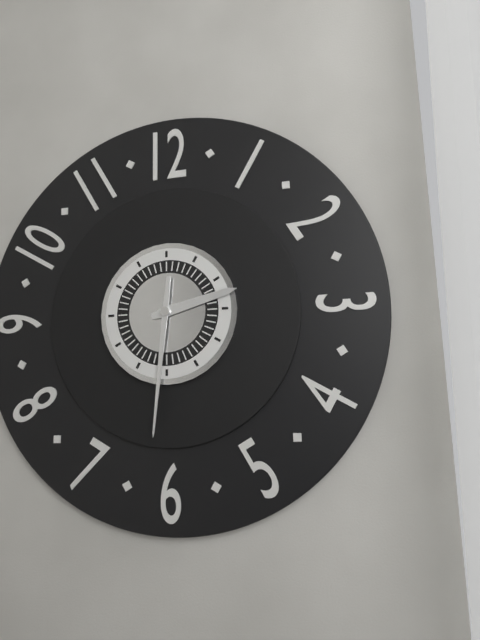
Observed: 2:31
